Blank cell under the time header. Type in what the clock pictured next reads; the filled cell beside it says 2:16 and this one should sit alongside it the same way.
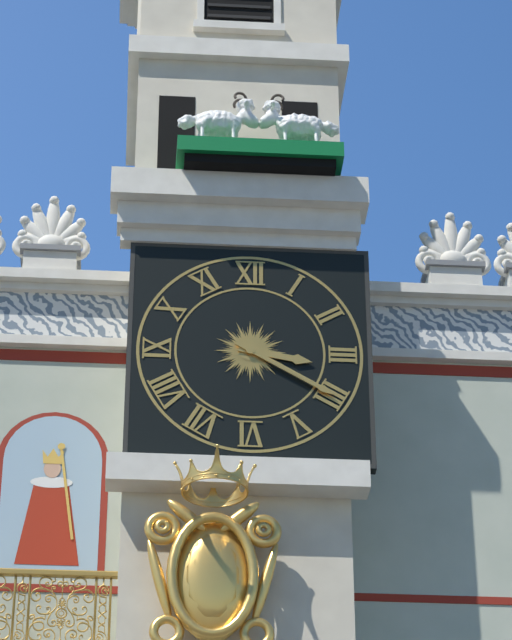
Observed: 3:20
